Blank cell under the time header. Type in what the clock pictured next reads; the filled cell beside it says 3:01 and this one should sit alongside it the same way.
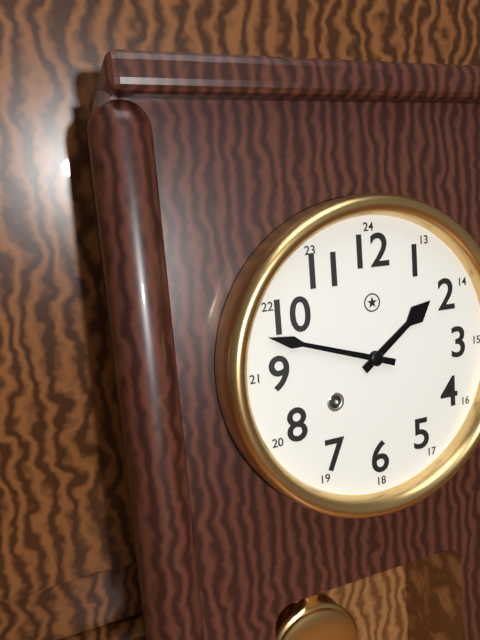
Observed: 1:48
